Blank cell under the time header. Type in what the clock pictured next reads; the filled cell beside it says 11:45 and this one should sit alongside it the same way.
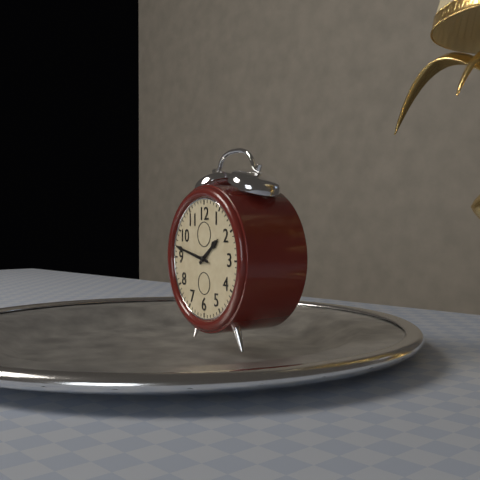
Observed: 1:47
